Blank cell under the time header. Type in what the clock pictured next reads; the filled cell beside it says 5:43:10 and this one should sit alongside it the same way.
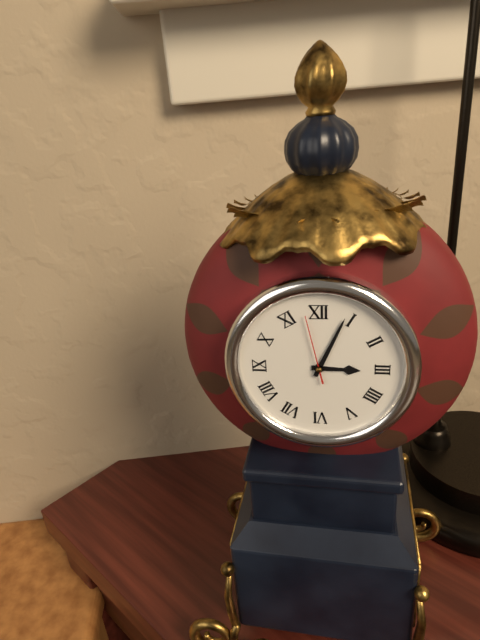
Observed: 3:04:58
